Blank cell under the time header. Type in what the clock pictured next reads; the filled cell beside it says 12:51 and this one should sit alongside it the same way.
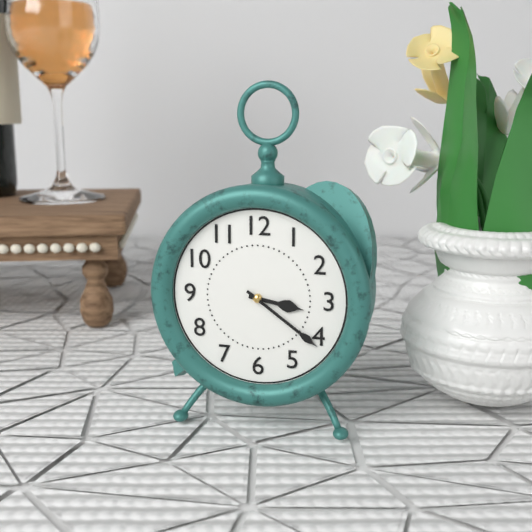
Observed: 3:21
